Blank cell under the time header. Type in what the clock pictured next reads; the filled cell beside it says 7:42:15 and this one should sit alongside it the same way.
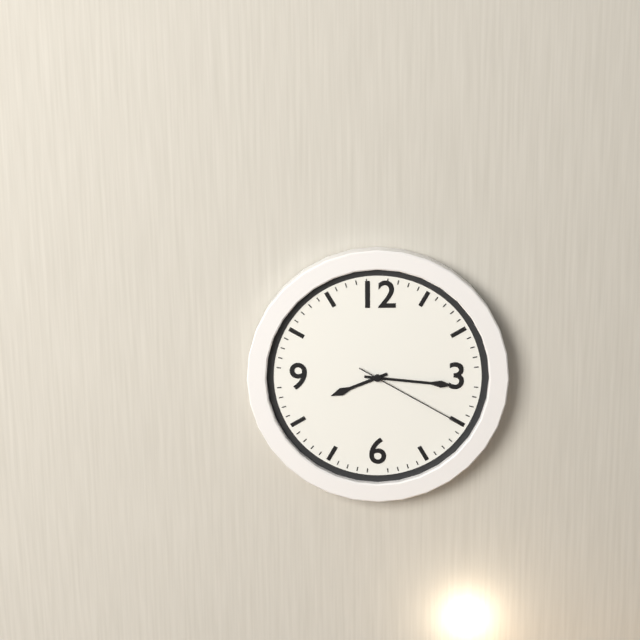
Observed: 8:16:20
